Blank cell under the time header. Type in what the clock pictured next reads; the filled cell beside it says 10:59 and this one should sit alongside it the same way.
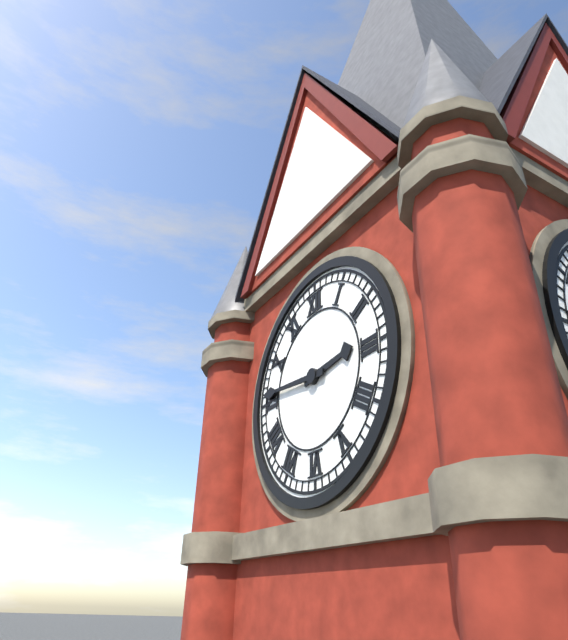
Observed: 2:46
